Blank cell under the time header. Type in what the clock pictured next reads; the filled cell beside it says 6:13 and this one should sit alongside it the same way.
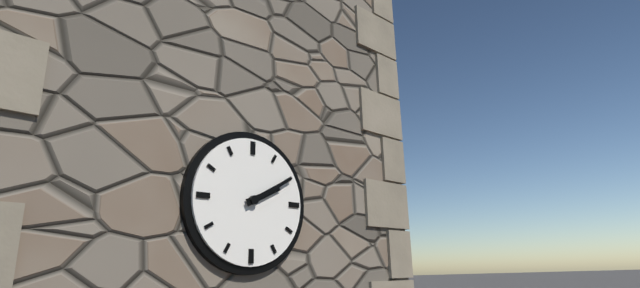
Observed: 2:10
